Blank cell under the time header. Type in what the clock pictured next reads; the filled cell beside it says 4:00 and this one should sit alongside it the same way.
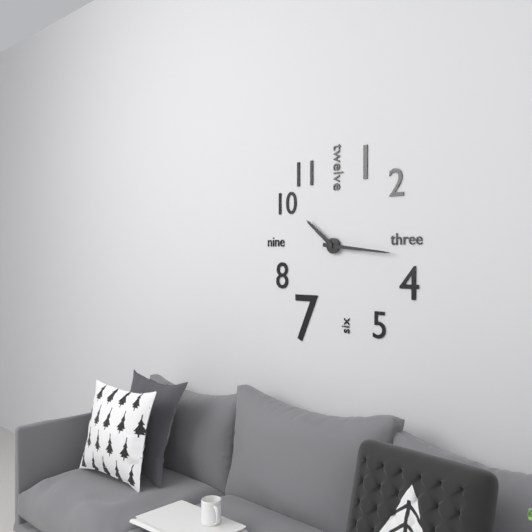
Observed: 10:16
